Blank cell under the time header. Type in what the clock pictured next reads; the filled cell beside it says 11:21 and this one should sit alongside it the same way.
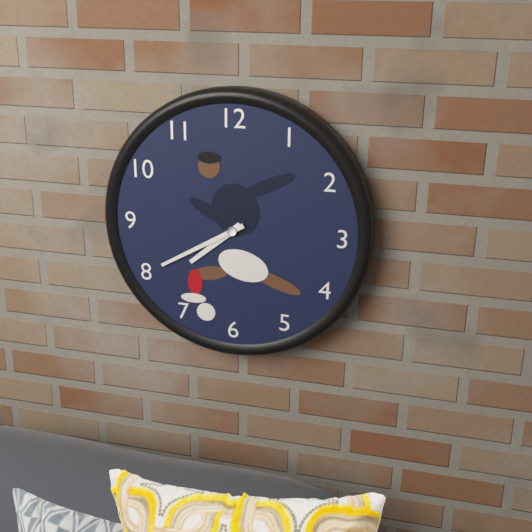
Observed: 7:40
